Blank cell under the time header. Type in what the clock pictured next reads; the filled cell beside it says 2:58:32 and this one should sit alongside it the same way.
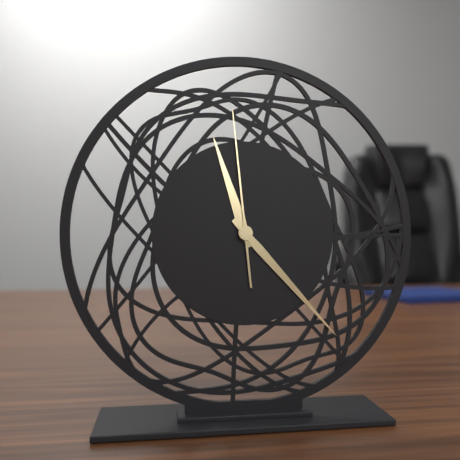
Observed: 11:23:59
